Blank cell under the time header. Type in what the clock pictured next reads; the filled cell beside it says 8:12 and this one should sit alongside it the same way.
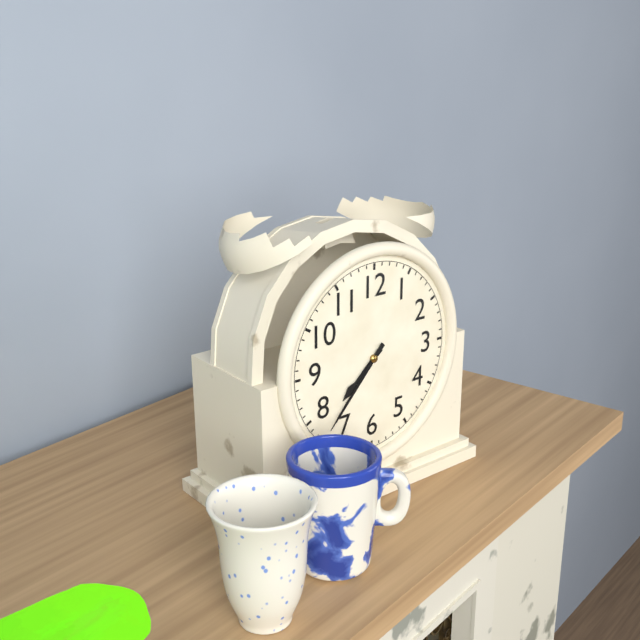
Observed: 7:37
